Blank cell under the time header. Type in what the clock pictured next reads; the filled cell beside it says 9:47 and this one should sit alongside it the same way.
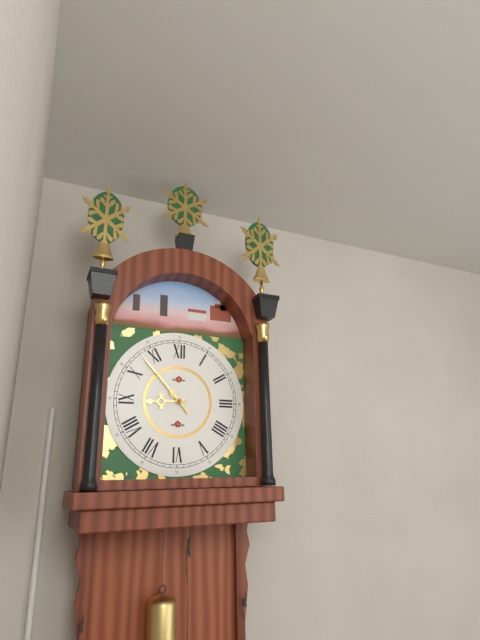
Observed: 8:53
